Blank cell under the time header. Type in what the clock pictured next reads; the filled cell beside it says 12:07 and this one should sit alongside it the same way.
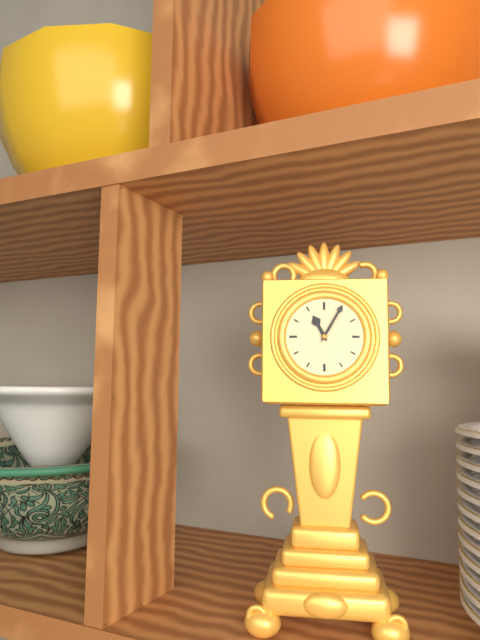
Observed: 11:05
